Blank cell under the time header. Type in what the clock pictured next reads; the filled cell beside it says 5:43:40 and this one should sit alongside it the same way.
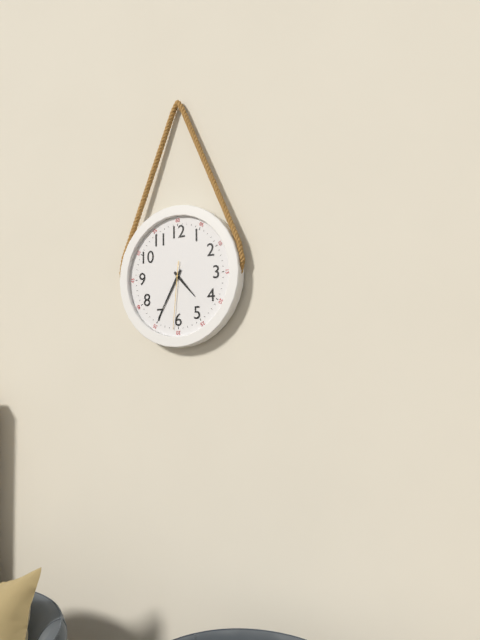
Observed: 4:35:31
